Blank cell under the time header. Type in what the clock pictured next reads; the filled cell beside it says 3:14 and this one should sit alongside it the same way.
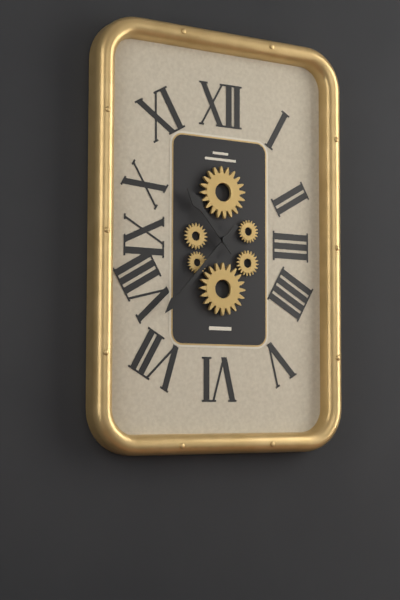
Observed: 10:37
